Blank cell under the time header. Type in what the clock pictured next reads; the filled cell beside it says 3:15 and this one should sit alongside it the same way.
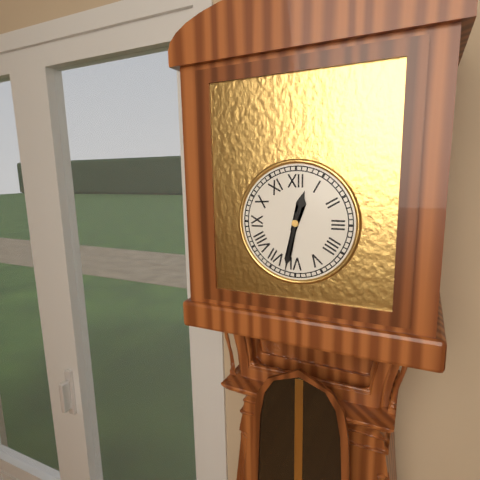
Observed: 12:32
